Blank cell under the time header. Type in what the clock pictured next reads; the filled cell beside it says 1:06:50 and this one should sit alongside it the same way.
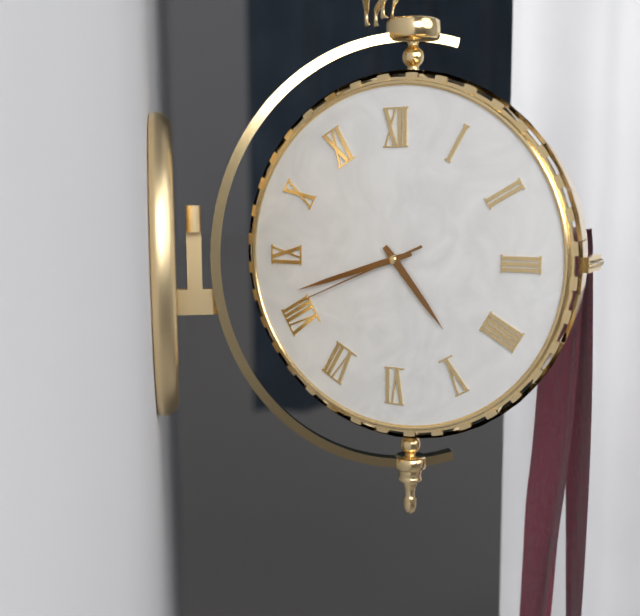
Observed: 4:42:41
